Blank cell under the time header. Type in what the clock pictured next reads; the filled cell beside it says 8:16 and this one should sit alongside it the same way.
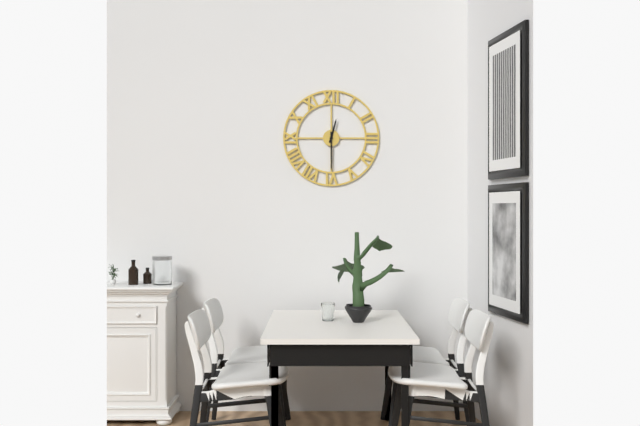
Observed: 12:30
